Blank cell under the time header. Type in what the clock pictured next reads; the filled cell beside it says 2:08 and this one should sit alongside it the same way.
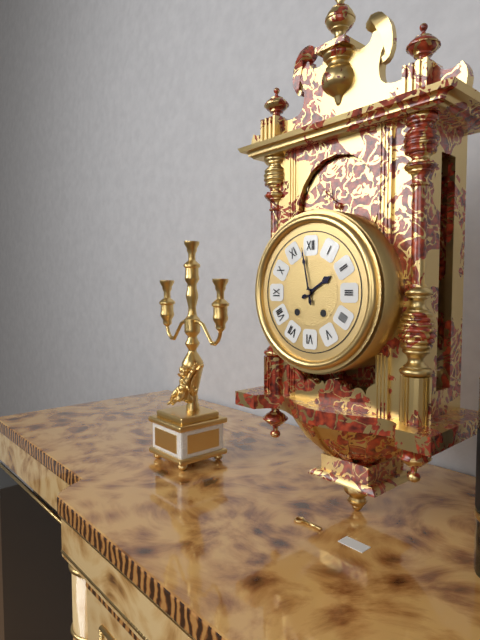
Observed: 1:58
